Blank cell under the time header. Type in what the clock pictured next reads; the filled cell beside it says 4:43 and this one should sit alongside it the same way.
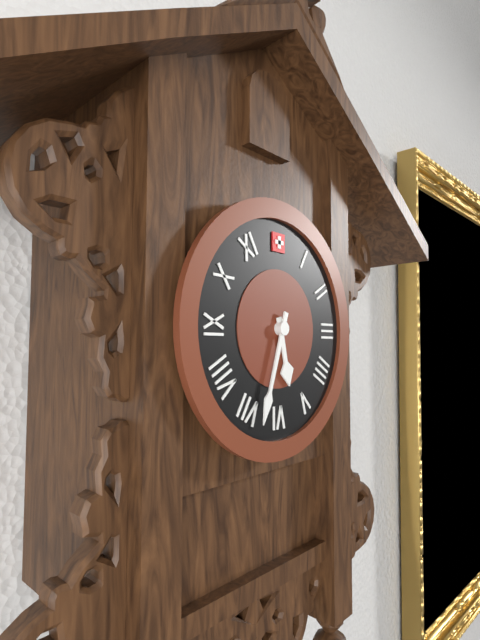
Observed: 5:33
